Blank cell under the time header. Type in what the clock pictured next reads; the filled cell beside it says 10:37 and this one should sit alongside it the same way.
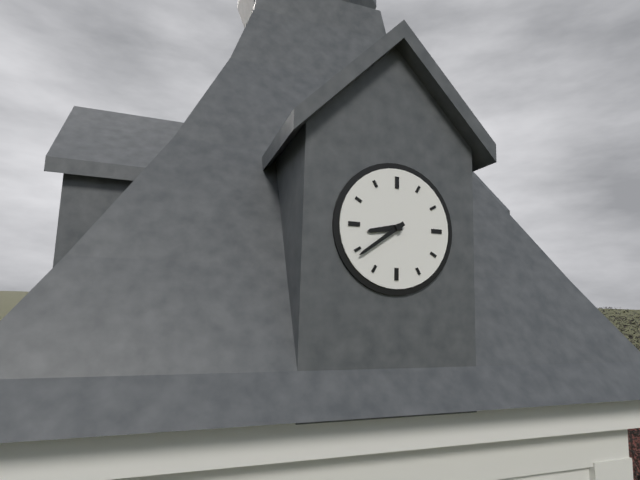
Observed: 8:39
